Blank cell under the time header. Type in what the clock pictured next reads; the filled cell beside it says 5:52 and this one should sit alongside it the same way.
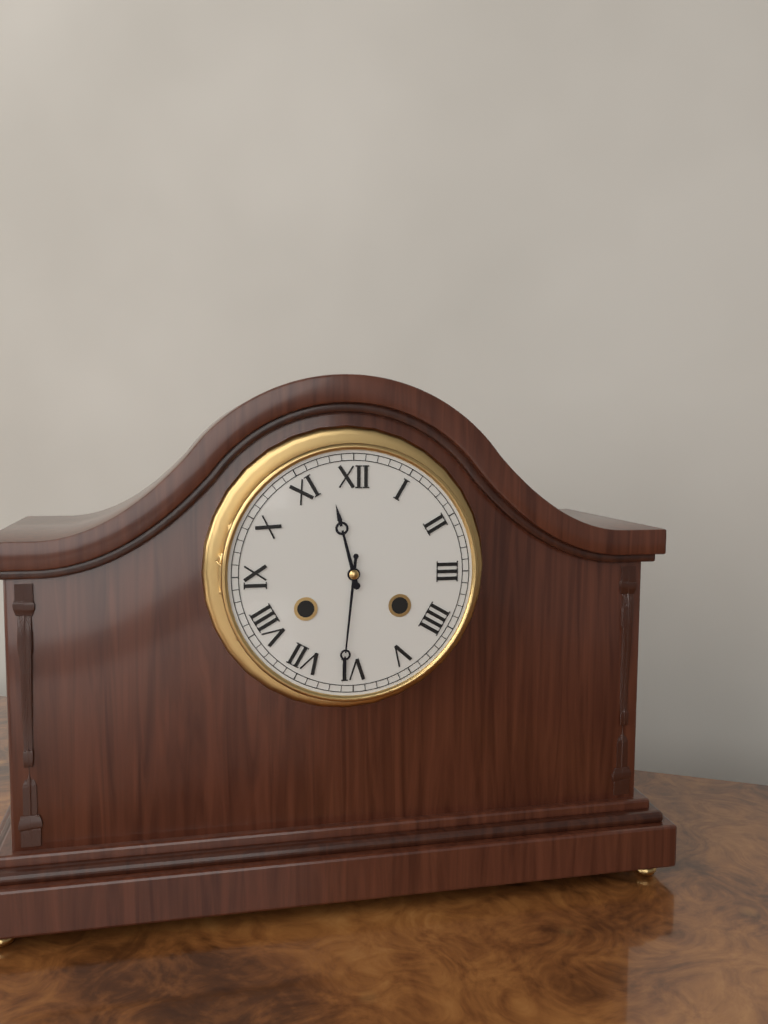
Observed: 11:31
